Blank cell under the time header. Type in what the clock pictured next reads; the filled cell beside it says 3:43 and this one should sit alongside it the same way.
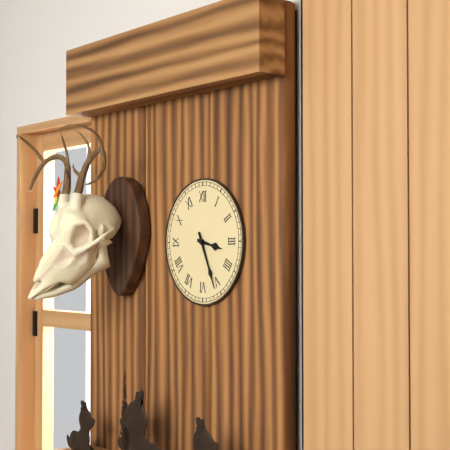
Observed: 3:26
